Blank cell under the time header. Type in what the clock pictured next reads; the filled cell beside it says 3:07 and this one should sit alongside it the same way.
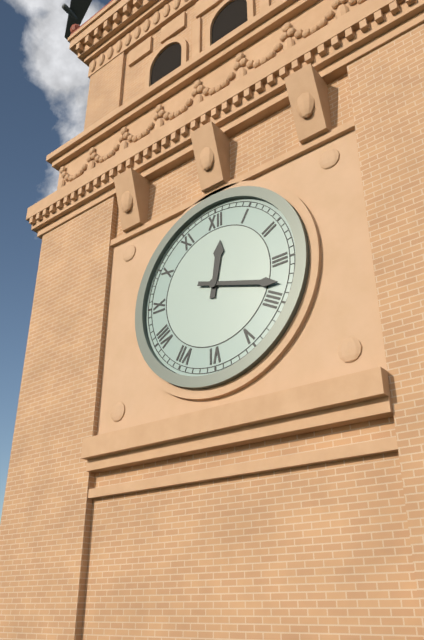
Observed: 12:18
